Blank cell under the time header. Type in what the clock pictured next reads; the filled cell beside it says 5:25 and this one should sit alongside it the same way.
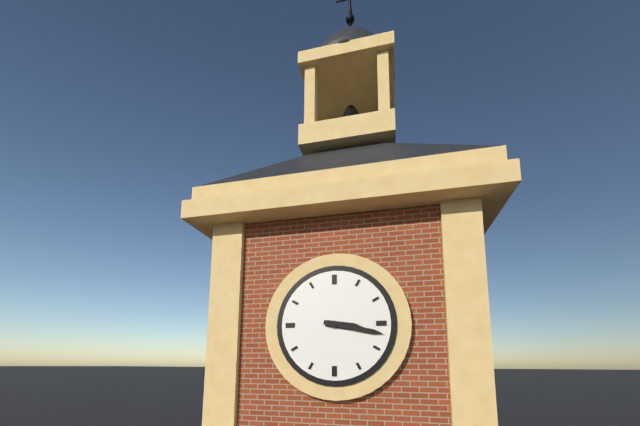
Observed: 3:17
